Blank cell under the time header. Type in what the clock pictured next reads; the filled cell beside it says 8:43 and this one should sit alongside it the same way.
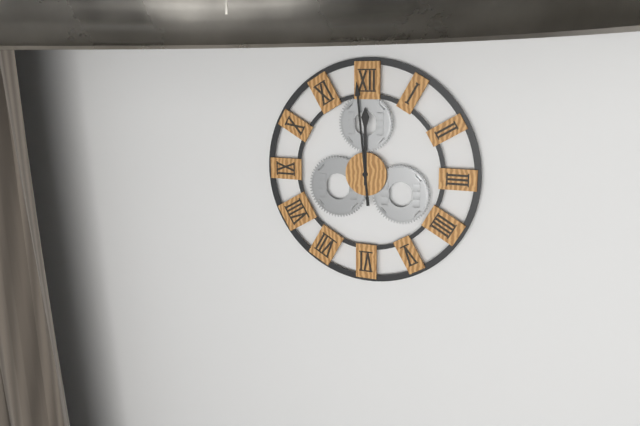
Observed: 11:59
